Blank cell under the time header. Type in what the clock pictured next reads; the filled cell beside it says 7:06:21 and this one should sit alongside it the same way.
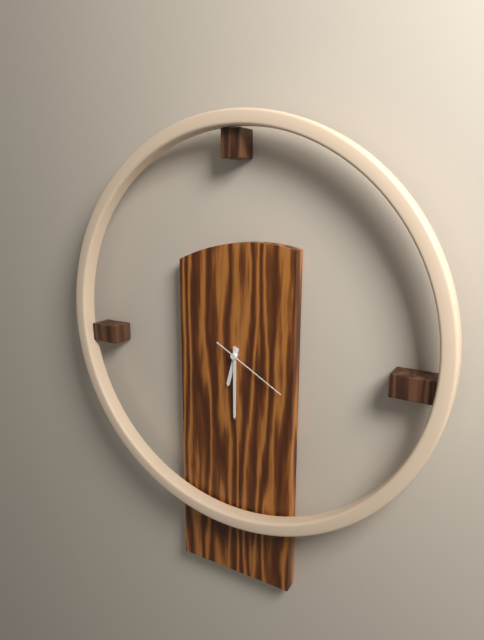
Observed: 6:30:20
